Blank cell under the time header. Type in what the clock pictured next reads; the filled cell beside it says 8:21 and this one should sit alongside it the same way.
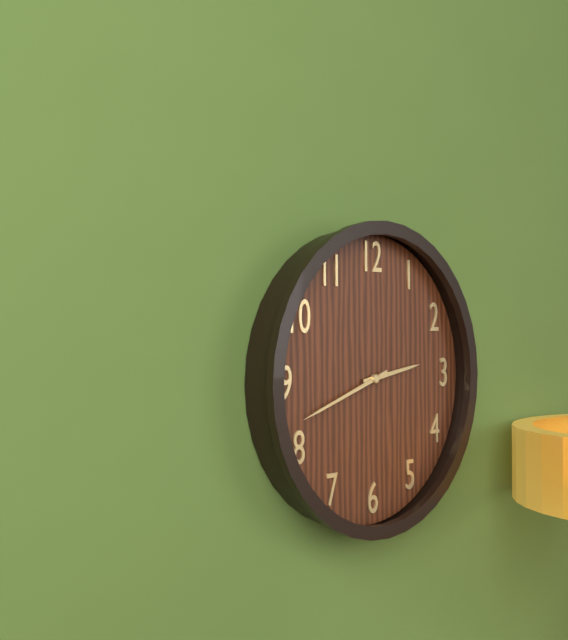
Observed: 2:42
